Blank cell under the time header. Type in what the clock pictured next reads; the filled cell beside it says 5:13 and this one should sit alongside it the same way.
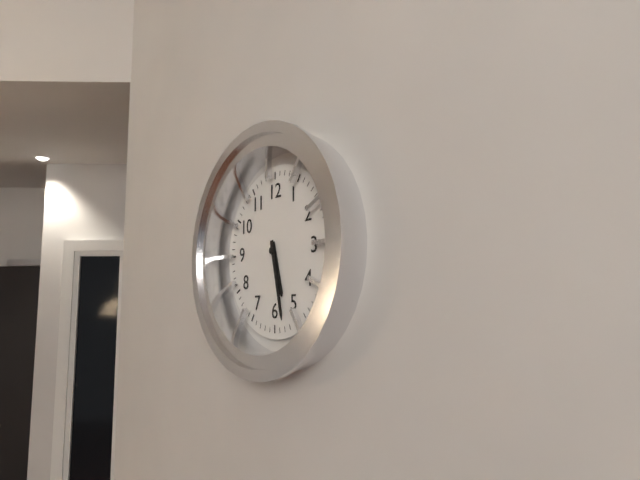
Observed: 5:28
